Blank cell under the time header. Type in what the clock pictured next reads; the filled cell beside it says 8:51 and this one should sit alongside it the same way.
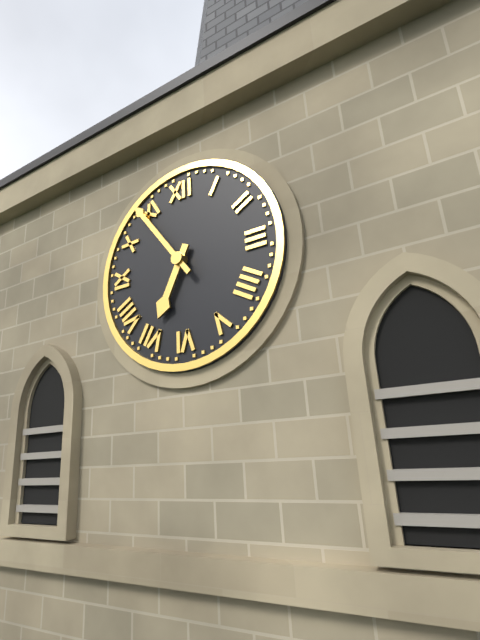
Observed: 6:54
